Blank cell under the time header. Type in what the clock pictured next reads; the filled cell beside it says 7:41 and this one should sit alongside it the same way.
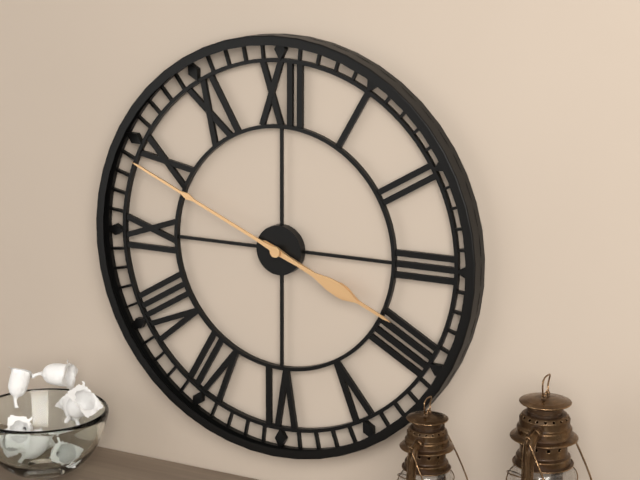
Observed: 3:49
